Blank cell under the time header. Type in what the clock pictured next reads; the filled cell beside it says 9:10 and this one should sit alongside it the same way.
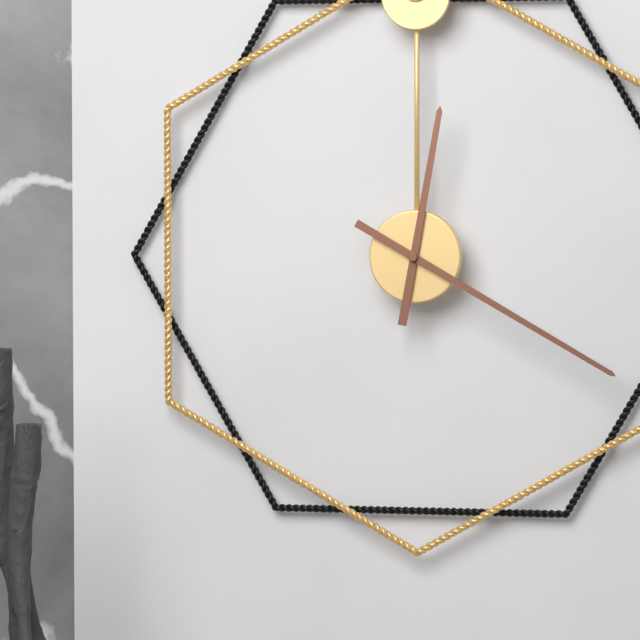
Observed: 12:20
